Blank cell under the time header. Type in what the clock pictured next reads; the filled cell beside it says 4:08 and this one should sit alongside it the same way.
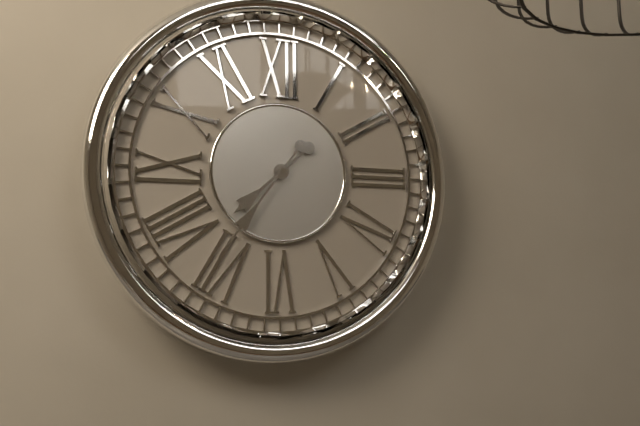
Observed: 7:36
